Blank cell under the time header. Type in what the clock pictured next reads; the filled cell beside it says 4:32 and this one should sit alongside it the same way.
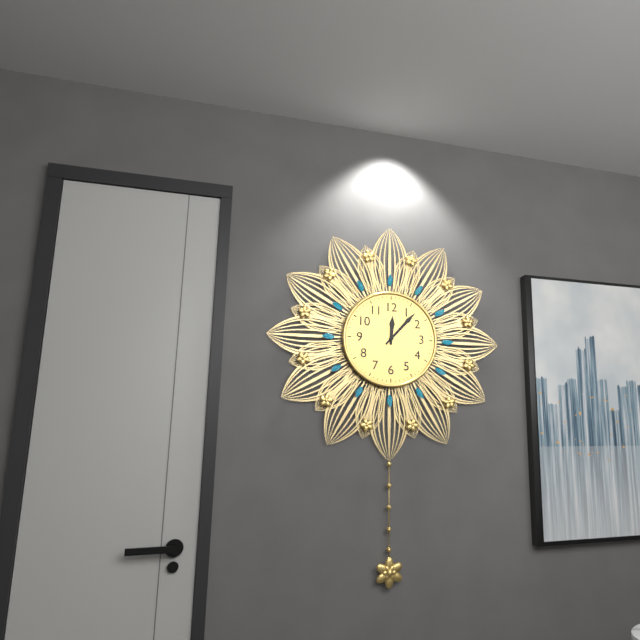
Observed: 12:07
